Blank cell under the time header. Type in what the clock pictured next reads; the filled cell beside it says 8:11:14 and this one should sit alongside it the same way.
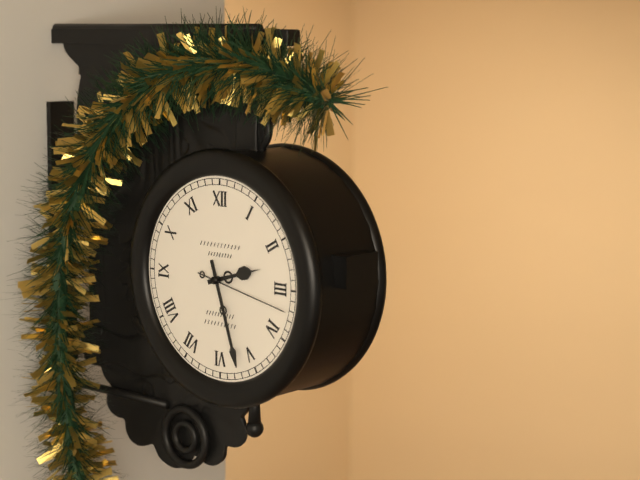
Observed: 2:27:17
